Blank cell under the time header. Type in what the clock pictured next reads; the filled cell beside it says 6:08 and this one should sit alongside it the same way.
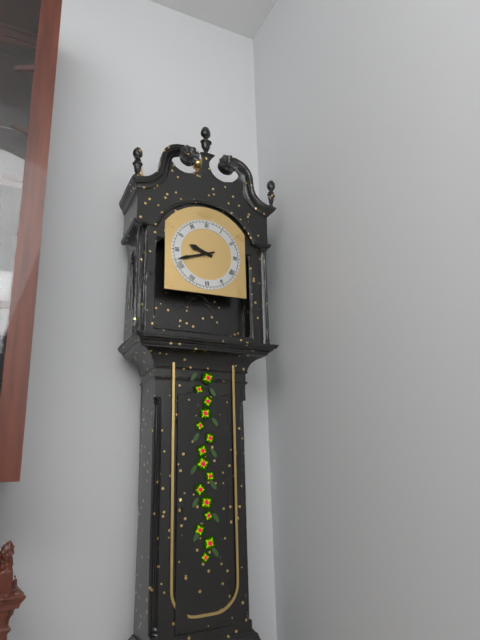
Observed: 9:42
